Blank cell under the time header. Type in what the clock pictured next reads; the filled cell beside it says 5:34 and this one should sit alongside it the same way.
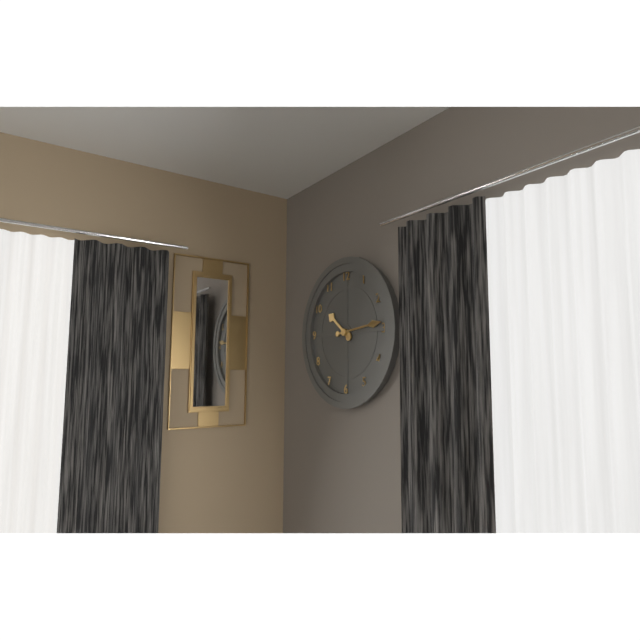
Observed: 10:14
